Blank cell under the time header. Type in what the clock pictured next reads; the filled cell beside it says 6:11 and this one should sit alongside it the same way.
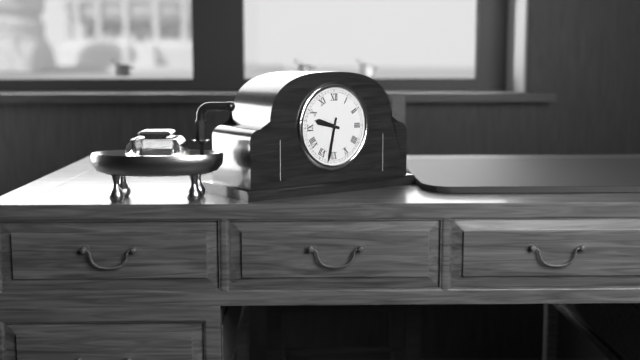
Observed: 9:32
